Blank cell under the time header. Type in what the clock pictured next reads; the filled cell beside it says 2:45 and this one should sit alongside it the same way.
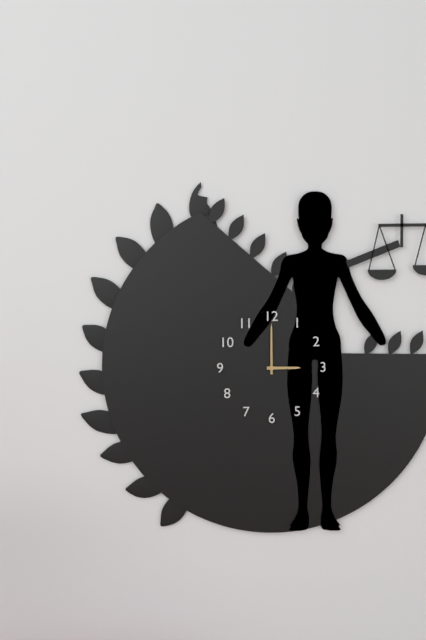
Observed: 3:00
